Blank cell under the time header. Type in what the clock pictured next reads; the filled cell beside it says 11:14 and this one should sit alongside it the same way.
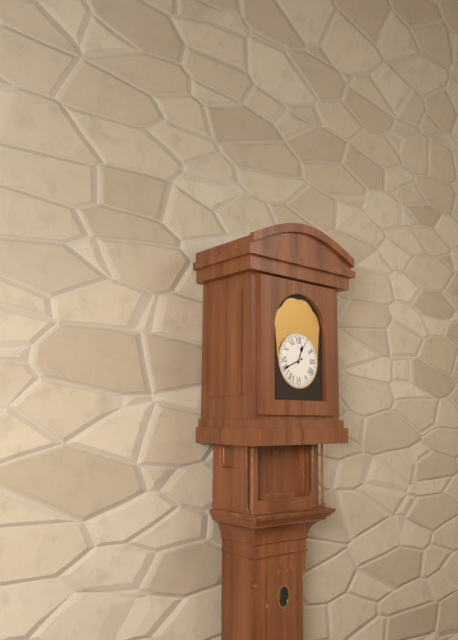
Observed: 12:41
